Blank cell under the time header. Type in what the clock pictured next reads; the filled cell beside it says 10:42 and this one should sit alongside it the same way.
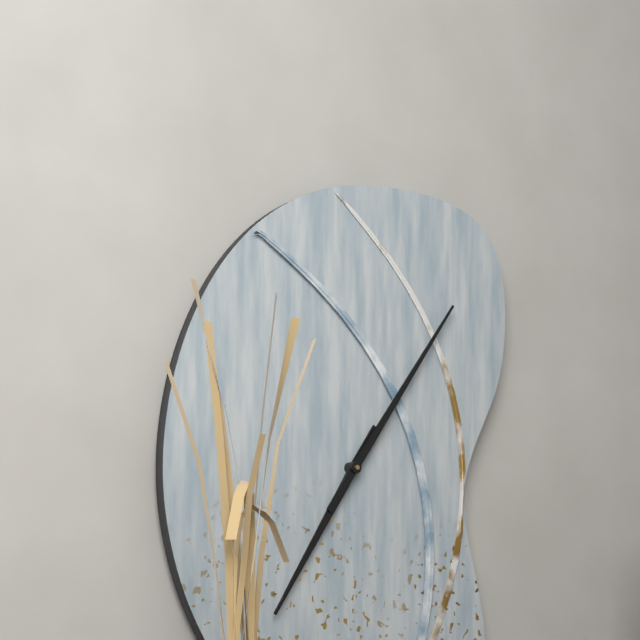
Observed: 7:06
